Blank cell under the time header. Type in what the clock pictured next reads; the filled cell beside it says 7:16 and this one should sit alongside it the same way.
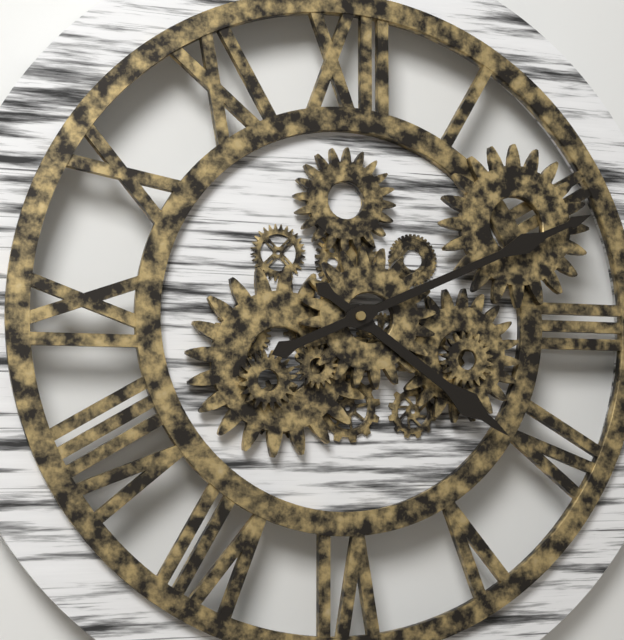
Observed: 4:11
